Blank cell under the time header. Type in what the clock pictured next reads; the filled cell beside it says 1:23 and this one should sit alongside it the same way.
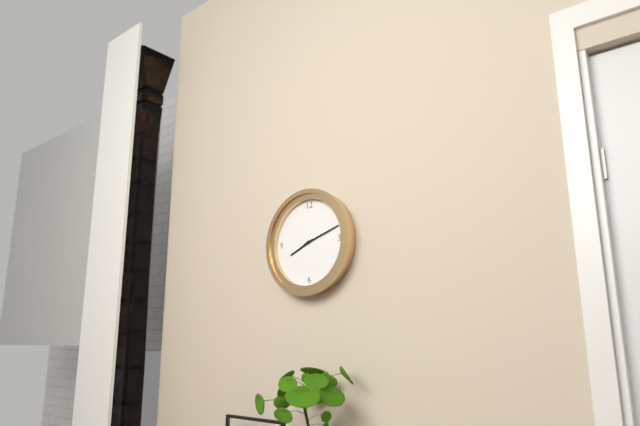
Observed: 8:12
